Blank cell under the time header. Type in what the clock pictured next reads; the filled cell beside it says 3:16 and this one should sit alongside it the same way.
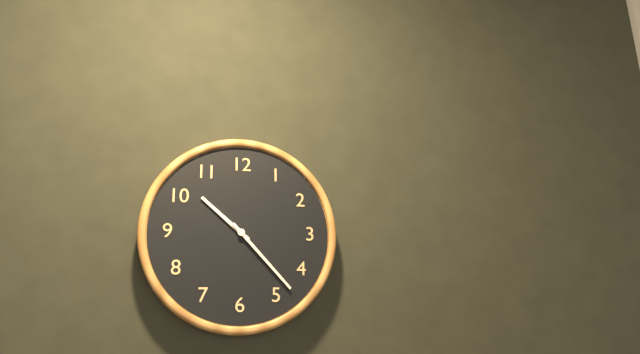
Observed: 10:23
